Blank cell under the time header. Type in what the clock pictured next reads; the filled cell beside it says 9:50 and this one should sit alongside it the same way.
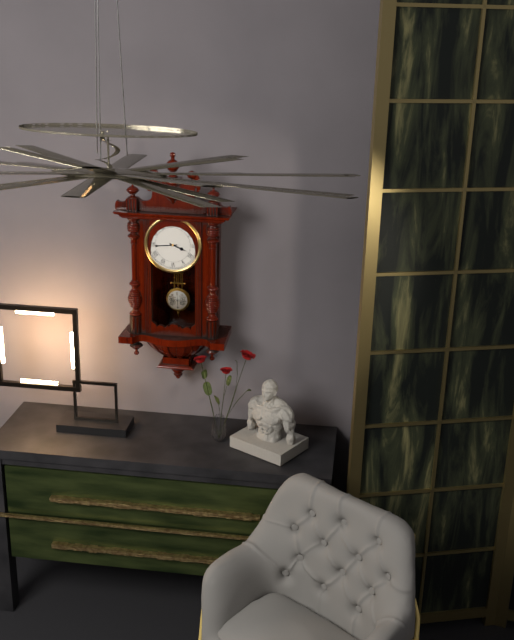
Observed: 3:44
